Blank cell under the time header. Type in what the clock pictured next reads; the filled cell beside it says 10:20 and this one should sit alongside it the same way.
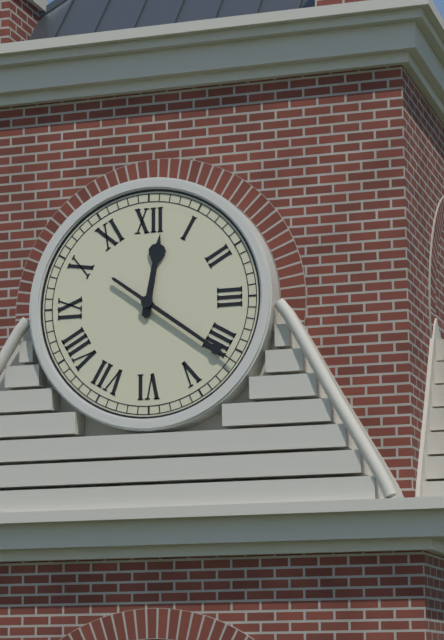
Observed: 12:21
